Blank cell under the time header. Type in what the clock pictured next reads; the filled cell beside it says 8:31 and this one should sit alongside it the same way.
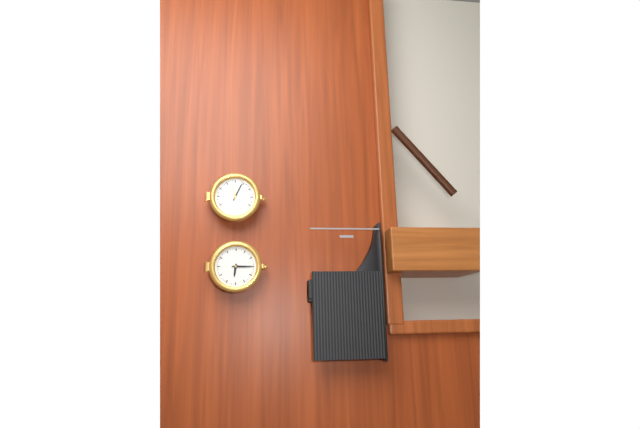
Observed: 6:15
